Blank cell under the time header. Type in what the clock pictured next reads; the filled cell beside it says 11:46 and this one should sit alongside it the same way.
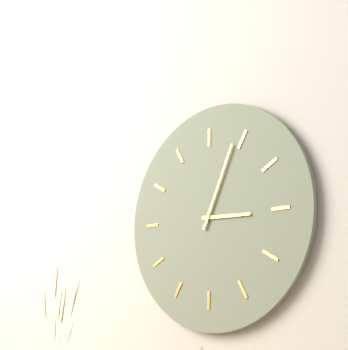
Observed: 3:04
